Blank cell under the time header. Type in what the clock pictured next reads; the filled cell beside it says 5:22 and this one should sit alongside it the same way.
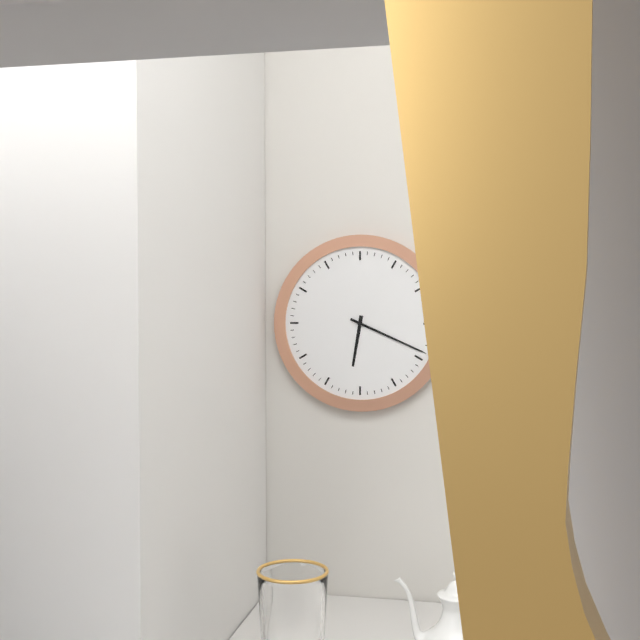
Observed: 6:19
